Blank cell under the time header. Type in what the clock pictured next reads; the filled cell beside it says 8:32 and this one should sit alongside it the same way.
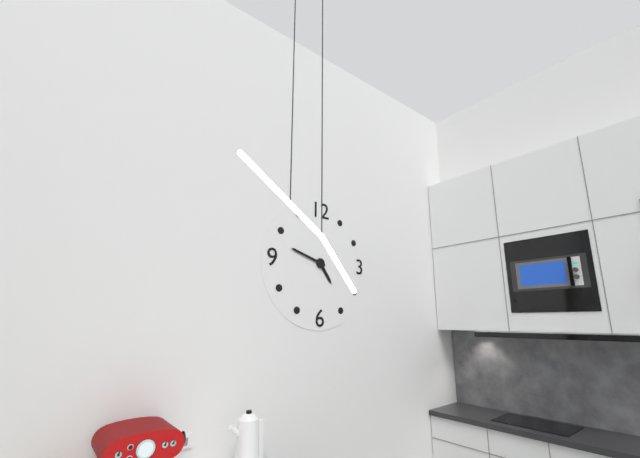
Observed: 4:48
